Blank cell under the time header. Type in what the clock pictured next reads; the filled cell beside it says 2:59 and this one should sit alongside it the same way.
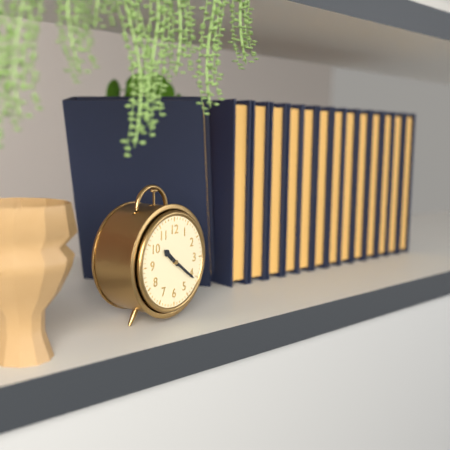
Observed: 10:21
